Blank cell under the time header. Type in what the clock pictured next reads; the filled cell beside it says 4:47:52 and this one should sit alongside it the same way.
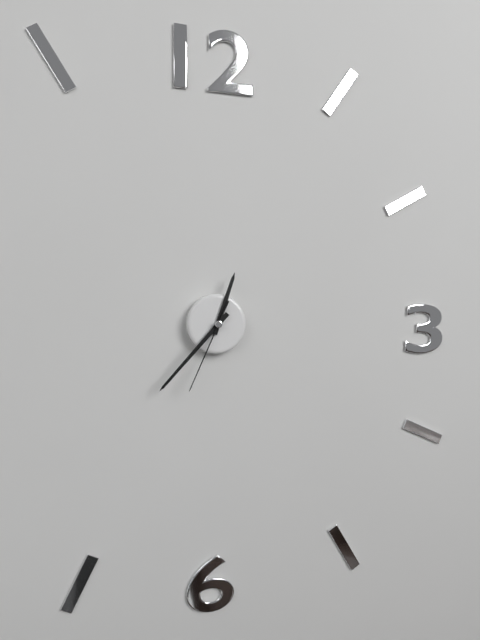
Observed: 12:37:34
